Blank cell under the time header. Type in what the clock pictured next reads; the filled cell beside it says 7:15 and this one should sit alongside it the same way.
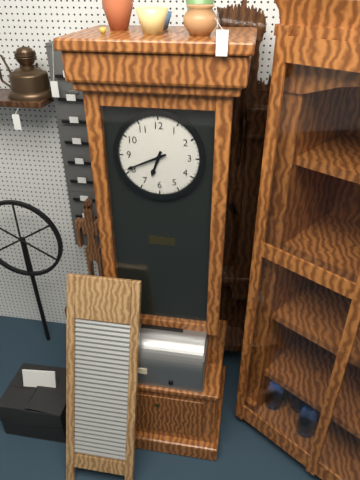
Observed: 6:41
